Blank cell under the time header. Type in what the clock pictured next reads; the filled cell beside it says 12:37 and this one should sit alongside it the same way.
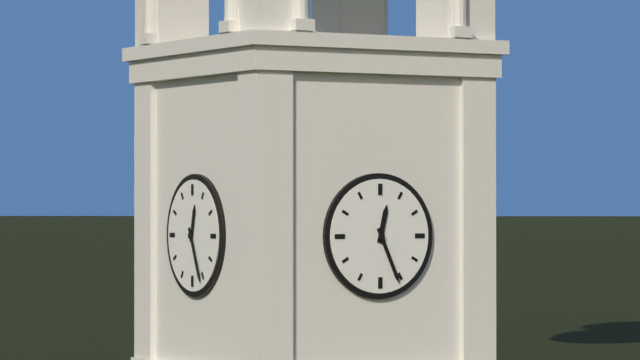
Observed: 12:26
